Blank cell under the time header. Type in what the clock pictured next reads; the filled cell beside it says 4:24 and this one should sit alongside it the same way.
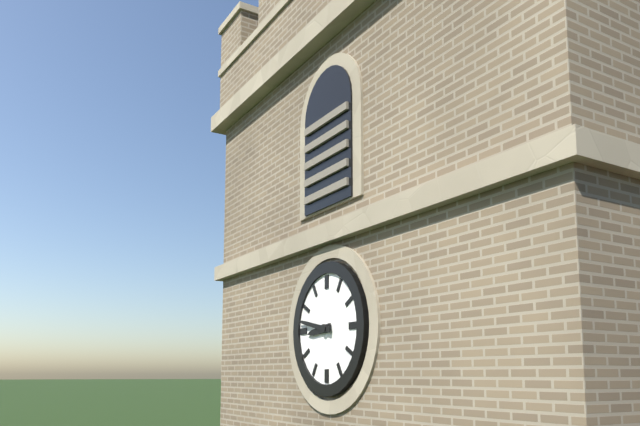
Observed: 8:47
